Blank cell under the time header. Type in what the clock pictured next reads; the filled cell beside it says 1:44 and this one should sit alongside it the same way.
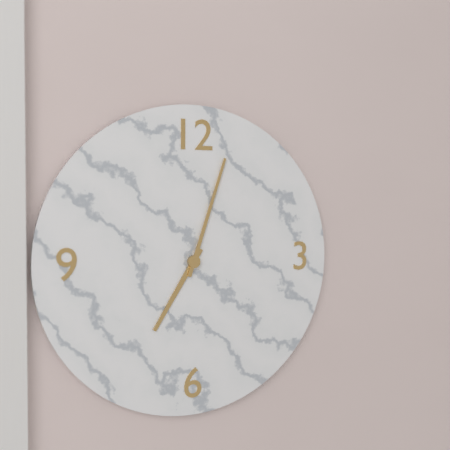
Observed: 7:03
